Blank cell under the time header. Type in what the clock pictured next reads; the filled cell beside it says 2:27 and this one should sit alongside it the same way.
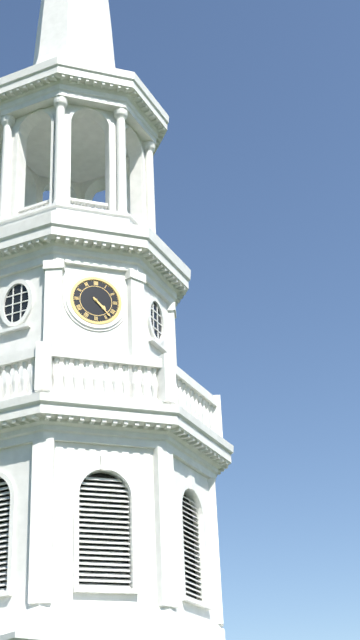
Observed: 4:23
